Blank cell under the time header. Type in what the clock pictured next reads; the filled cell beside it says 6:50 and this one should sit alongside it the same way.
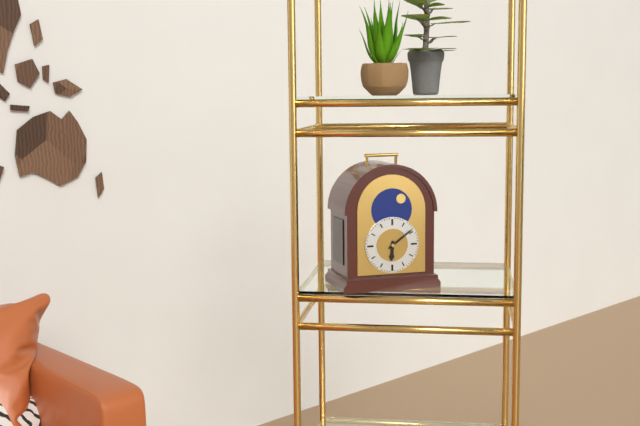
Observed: 6:09
